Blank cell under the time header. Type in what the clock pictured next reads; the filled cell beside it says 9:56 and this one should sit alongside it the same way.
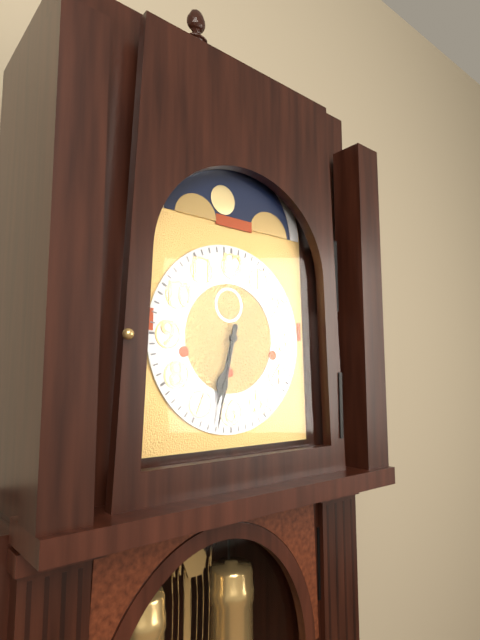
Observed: 6:32
